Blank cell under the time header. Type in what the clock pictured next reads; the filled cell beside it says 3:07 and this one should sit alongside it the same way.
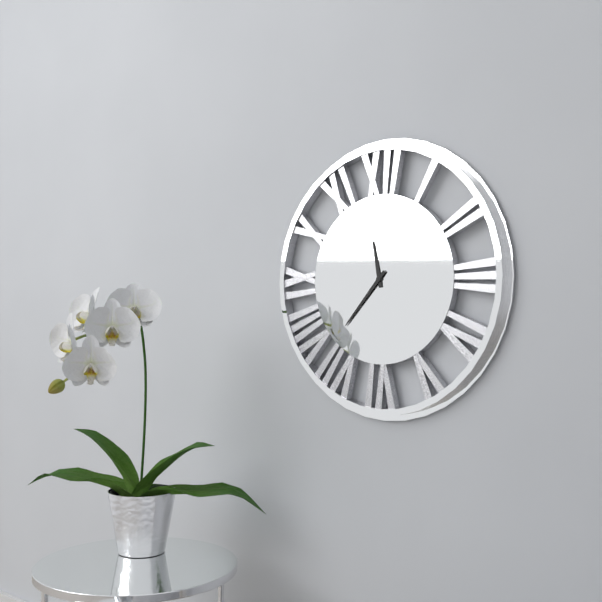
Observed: 11:37
